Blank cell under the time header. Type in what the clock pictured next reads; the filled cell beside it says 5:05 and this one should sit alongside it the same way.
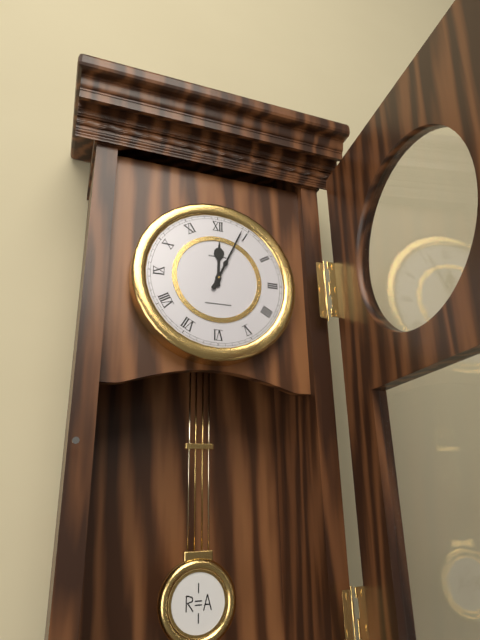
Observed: 12:04
